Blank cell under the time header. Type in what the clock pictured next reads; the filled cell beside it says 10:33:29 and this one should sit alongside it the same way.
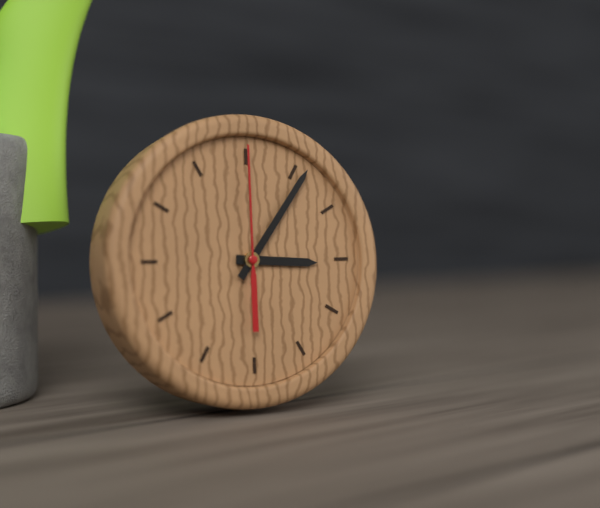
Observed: 3:06:00
